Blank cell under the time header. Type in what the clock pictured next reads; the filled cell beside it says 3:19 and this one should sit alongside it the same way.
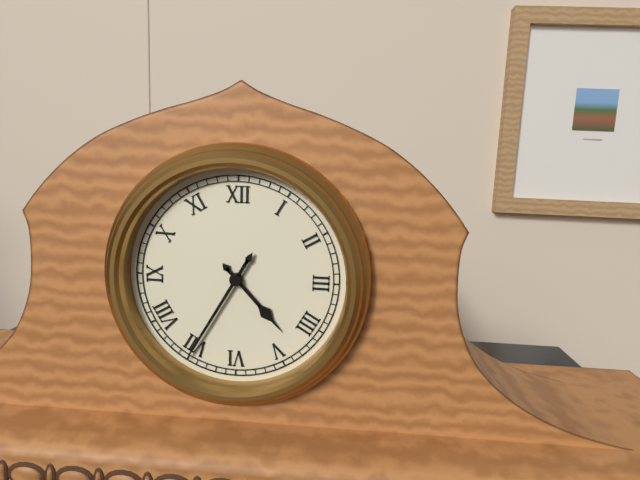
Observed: 4:35
